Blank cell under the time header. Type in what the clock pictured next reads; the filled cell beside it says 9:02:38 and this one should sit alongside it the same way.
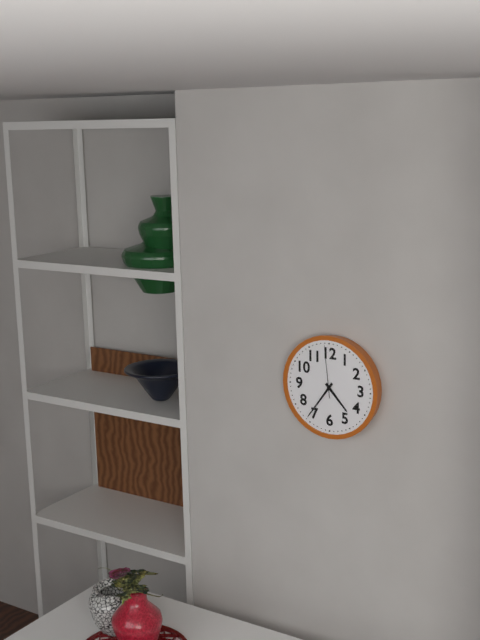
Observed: 4:36:59
